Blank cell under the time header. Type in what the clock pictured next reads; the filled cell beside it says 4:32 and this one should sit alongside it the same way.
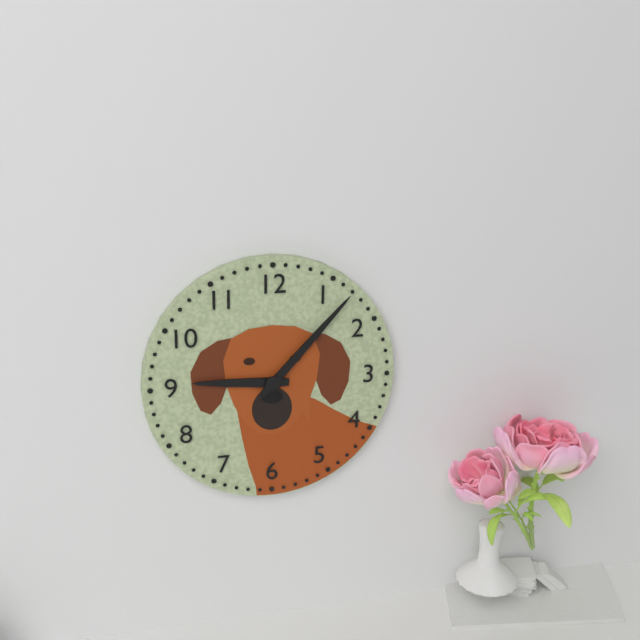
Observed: 9:07
